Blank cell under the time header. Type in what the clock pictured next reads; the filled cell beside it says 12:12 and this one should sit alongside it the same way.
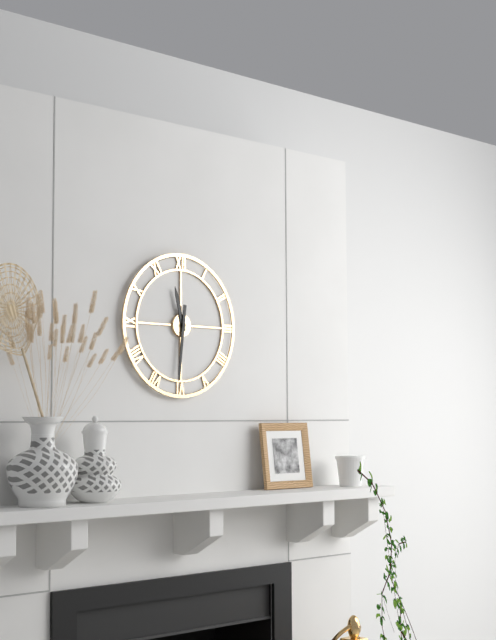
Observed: 11:31
